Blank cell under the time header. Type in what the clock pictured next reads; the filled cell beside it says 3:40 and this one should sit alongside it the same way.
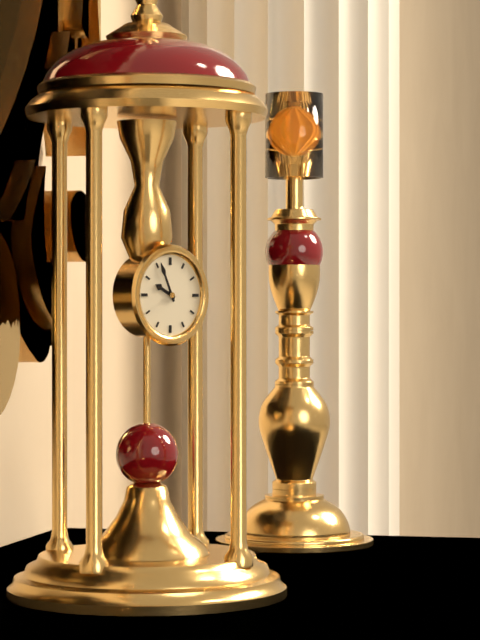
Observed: 9:56
